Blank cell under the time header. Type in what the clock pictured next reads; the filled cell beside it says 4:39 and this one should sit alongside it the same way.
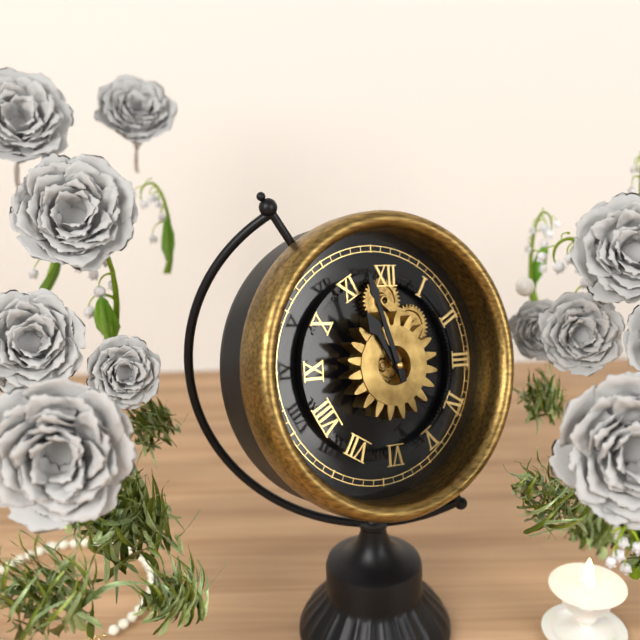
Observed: 10:57
